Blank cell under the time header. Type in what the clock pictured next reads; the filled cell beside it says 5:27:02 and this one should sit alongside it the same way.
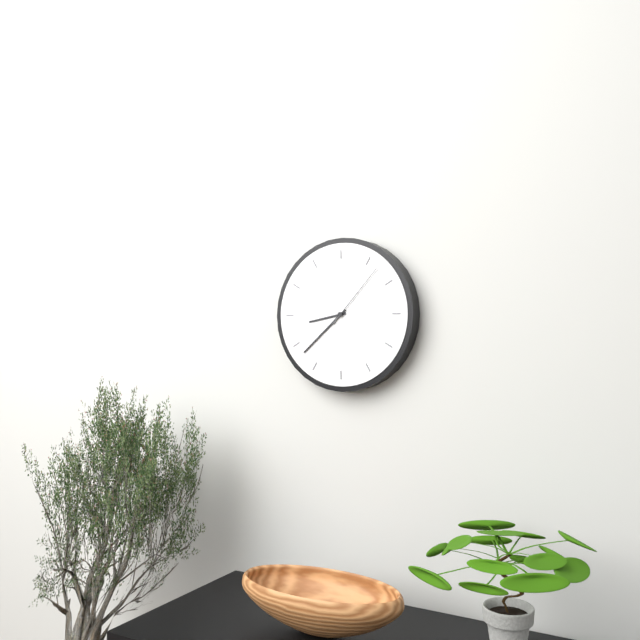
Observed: 8:38:07
